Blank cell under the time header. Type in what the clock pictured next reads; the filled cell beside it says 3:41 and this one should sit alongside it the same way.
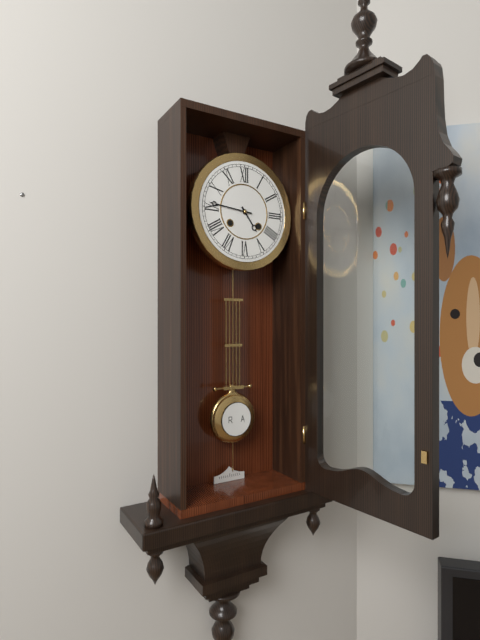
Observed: 4:46
